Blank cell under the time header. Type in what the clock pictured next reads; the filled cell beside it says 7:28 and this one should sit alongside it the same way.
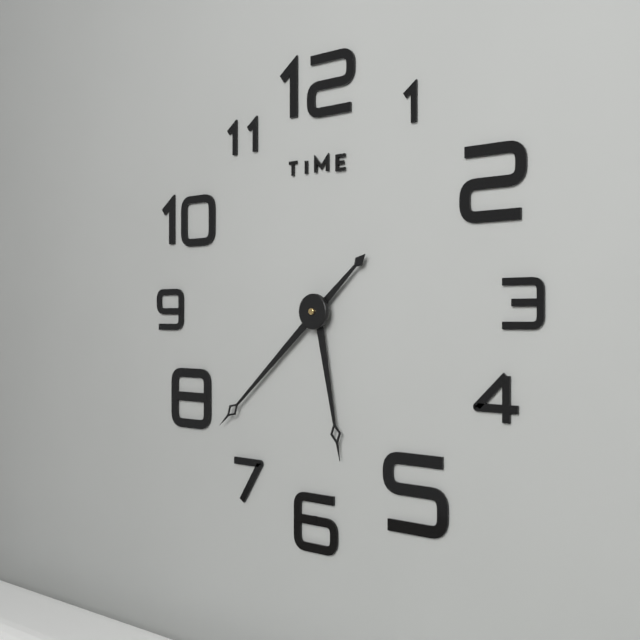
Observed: 5:38
